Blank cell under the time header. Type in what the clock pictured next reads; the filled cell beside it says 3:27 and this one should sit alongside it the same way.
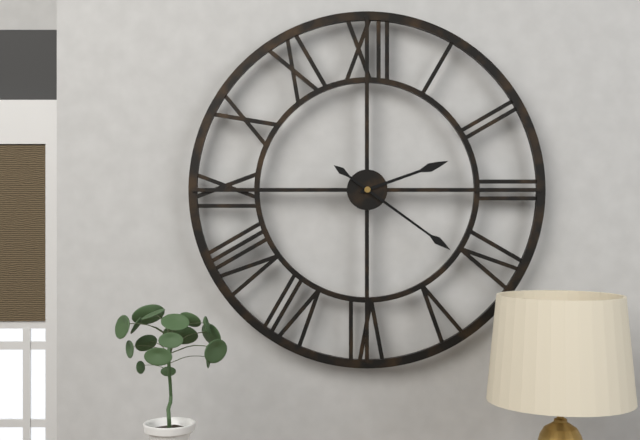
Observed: 2:21
